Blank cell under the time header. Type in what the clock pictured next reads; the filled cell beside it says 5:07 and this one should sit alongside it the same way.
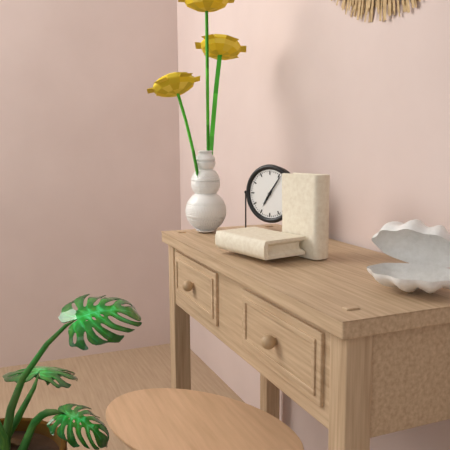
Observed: 7:06
